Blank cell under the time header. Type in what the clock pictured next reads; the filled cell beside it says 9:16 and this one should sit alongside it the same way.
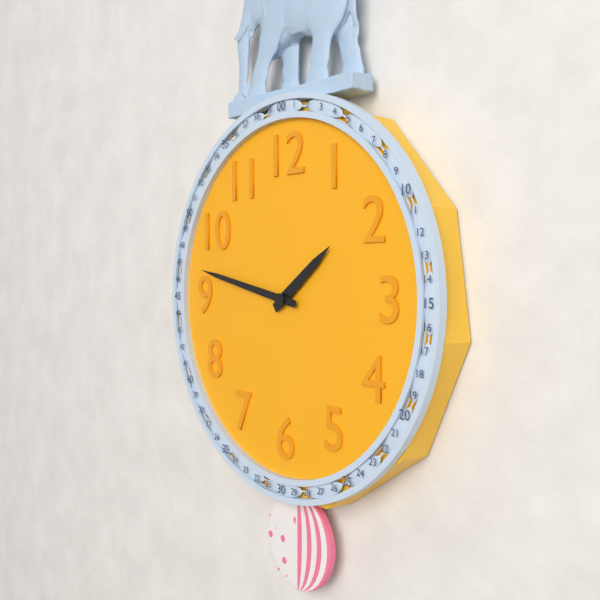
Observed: 1:47
